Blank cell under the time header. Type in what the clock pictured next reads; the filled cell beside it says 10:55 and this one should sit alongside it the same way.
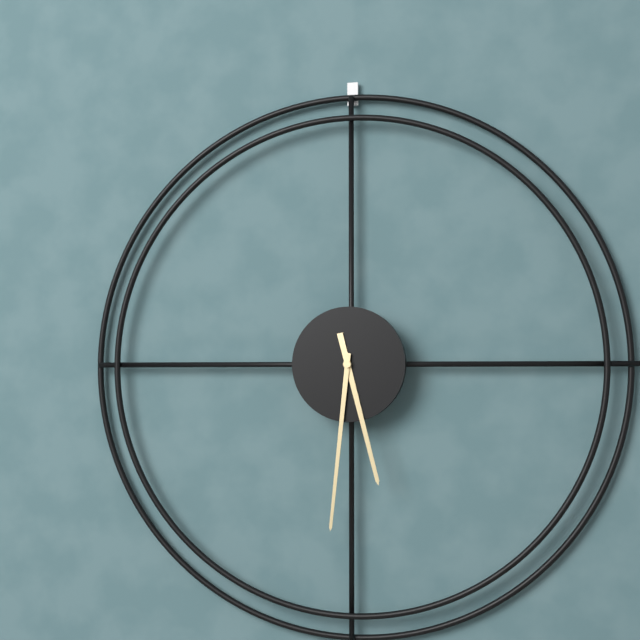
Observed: 5:31
